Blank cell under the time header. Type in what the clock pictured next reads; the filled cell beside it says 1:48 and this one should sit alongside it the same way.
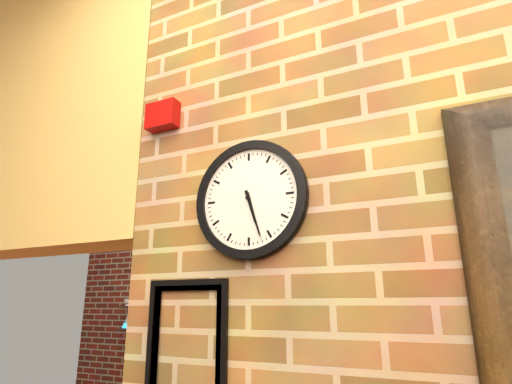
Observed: 5:27
